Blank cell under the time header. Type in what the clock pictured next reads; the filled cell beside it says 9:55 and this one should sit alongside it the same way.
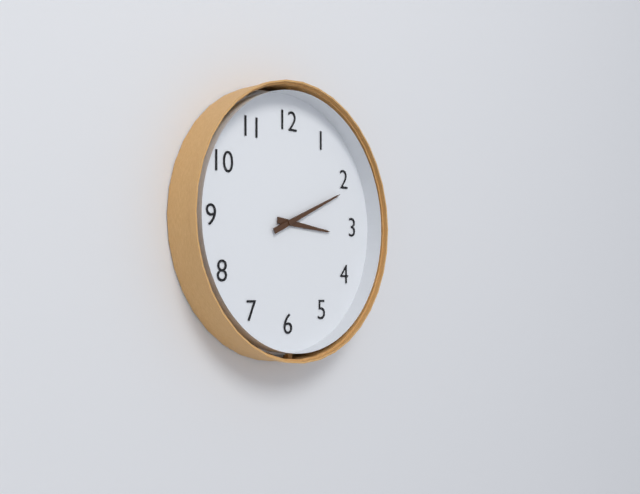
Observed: 3:11
